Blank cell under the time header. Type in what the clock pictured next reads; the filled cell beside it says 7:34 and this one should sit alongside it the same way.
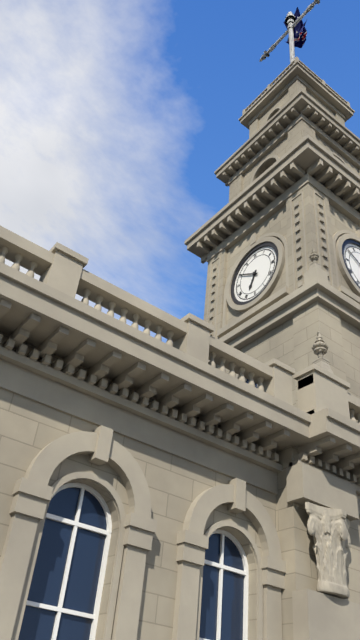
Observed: 6:50
